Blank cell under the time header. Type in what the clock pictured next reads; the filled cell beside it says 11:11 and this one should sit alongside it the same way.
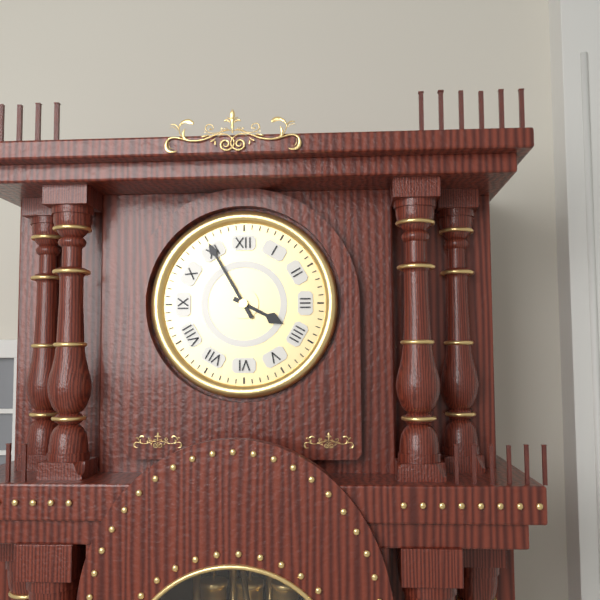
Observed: 3:55
